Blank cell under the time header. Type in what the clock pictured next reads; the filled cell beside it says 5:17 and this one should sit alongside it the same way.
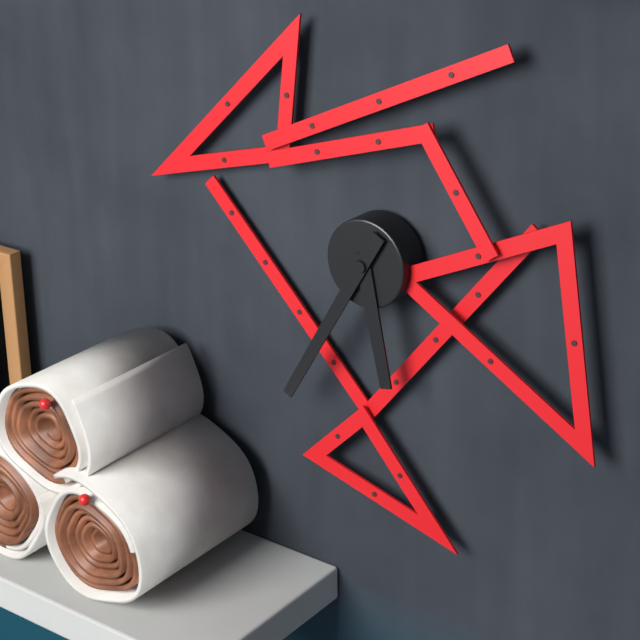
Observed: 5:35
